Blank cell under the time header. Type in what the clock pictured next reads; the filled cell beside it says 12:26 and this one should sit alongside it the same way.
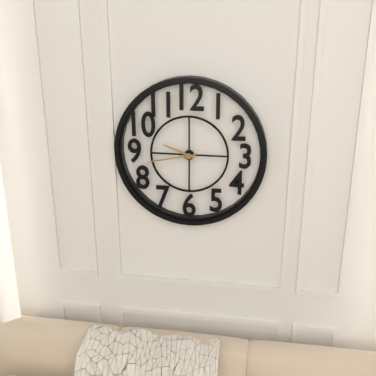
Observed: 9:43
